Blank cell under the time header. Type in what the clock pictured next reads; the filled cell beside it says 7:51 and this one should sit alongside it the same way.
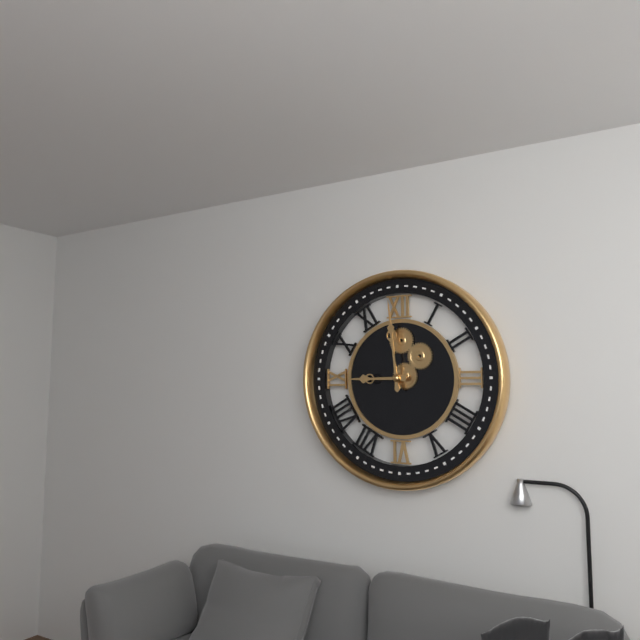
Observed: 8:59
